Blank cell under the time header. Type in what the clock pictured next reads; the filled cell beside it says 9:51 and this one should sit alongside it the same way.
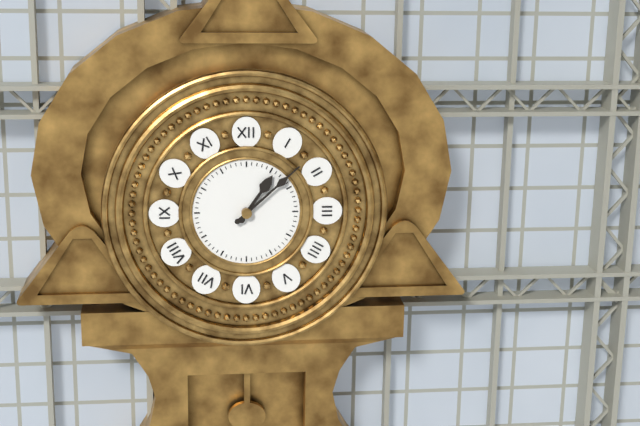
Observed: 1:08
